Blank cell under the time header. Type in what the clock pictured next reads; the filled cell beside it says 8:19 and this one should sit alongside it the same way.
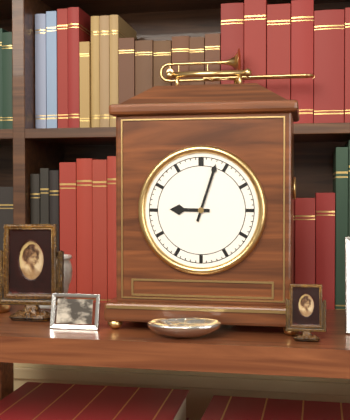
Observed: 9:03
